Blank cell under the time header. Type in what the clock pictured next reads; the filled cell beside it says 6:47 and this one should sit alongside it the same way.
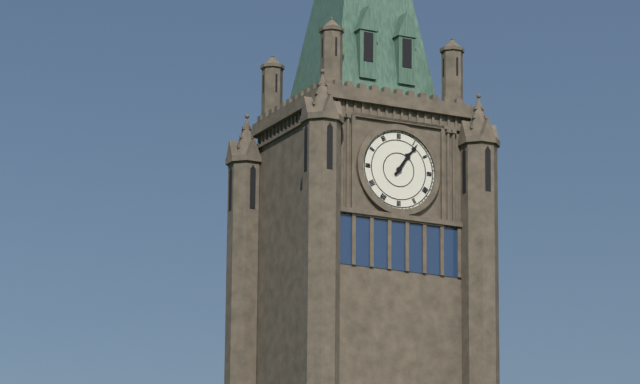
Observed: 1:06
